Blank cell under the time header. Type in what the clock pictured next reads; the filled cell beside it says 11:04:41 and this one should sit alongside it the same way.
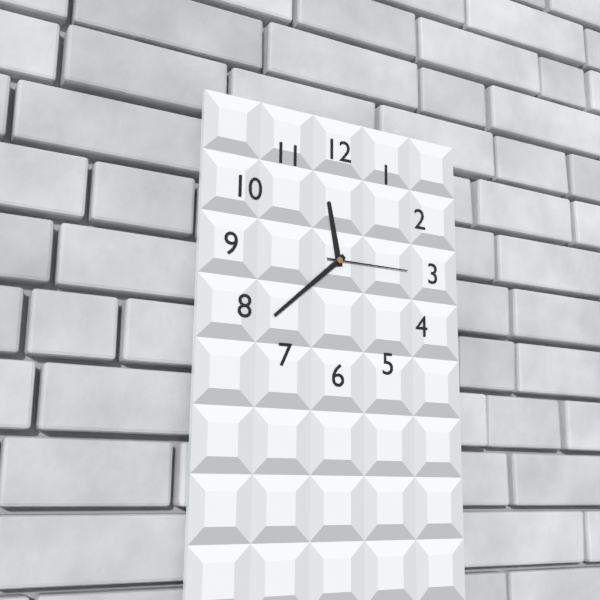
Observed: 11:38:15
